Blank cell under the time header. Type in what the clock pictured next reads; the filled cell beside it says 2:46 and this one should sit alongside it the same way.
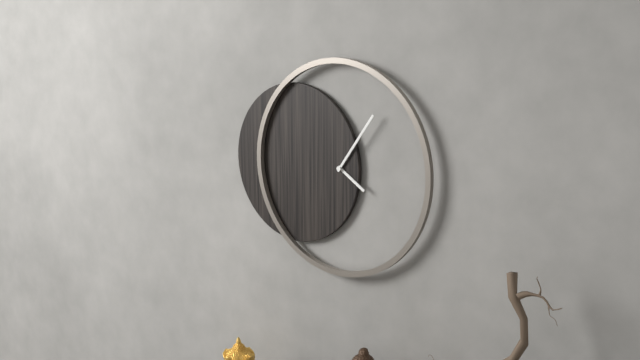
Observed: 4:06
